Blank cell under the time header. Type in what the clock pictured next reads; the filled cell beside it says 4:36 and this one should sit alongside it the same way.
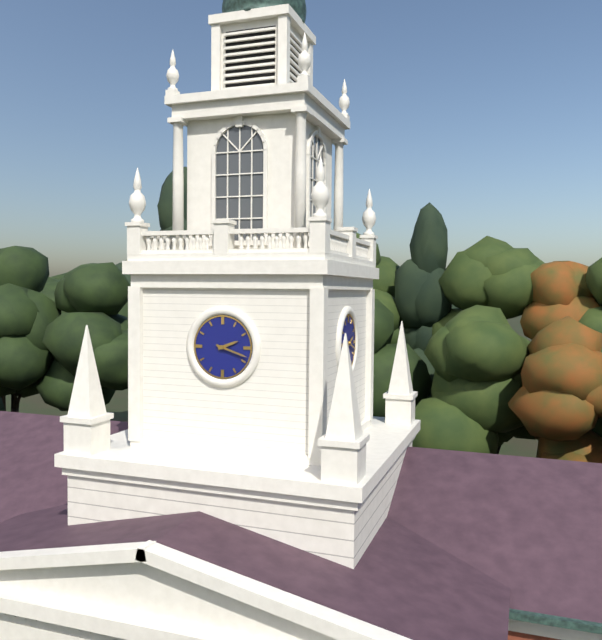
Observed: 2:18
